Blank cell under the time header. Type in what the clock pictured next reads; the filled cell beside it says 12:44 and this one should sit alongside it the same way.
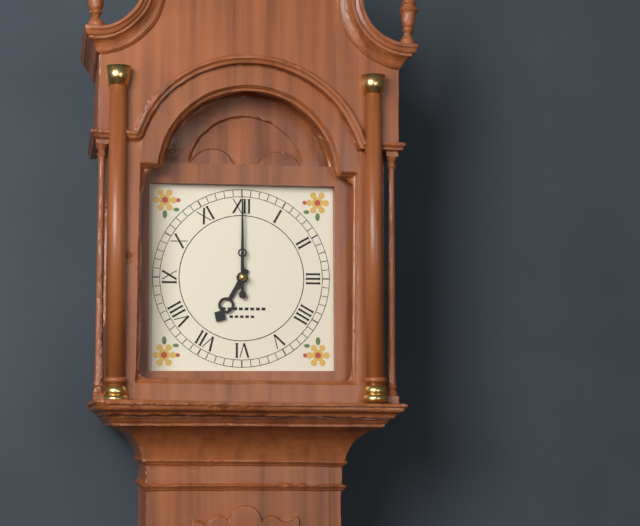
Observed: 7:00
